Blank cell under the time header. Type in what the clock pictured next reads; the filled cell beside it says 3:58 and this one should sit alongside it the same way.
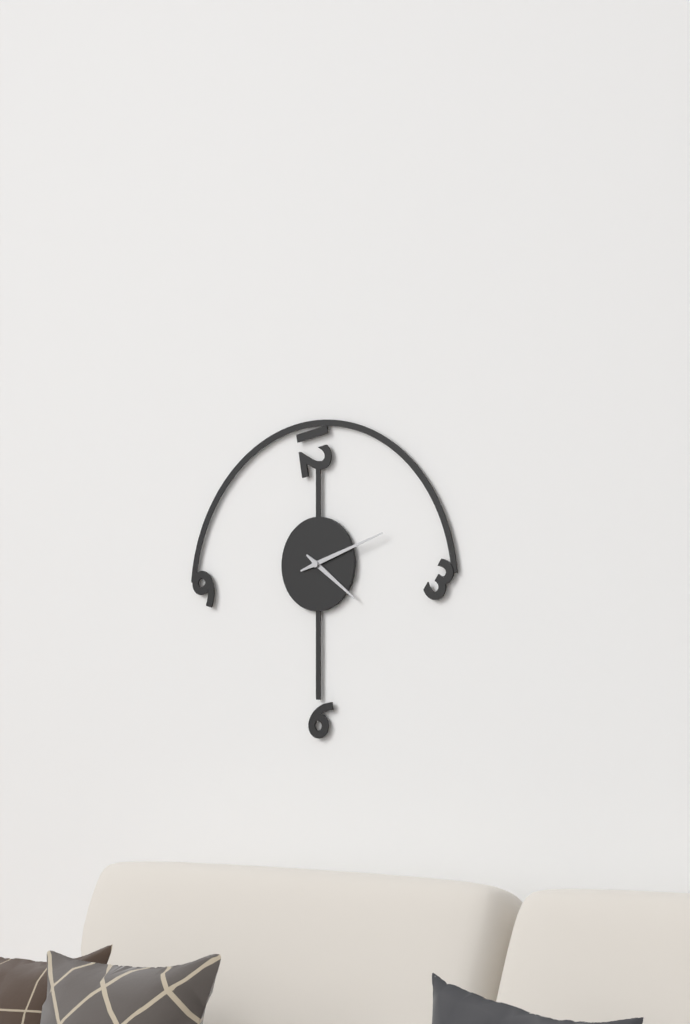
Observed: 4:12
